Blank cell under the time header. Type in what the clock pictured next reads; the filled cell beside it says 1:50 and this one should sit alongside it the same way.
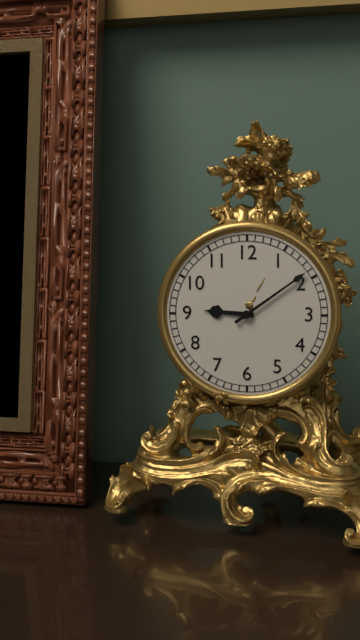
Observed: 9:09
